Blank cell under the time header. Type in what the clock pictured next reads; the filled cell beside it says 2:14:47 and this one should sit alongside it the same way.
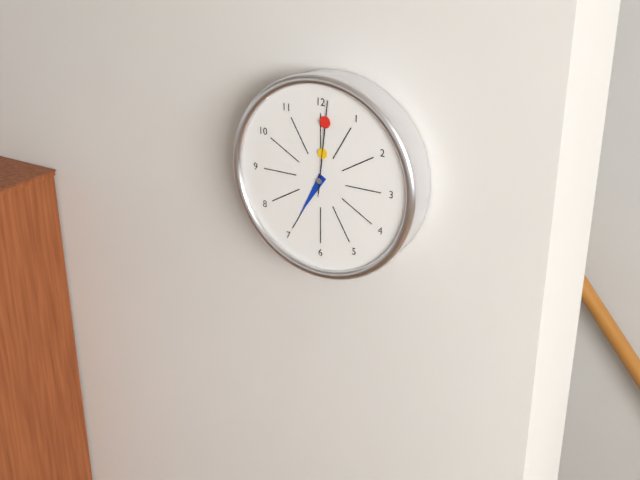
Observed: 7:01:01
